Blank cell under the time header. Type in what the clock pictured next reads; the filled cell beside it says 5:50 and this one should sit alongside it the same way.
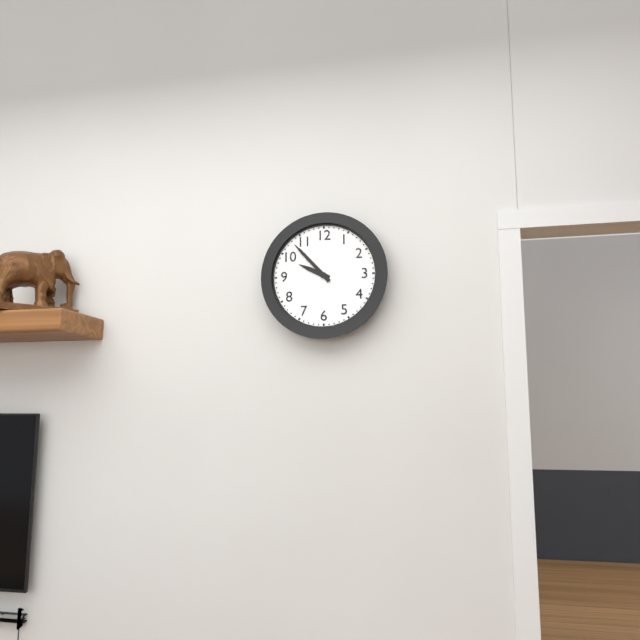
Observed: 9:53
